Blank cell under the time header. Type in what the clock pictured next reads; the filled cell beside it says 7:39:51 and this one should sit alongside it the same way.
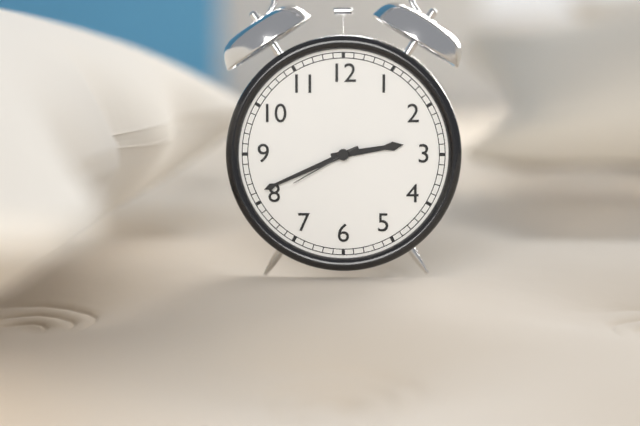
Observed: 2:41:40
